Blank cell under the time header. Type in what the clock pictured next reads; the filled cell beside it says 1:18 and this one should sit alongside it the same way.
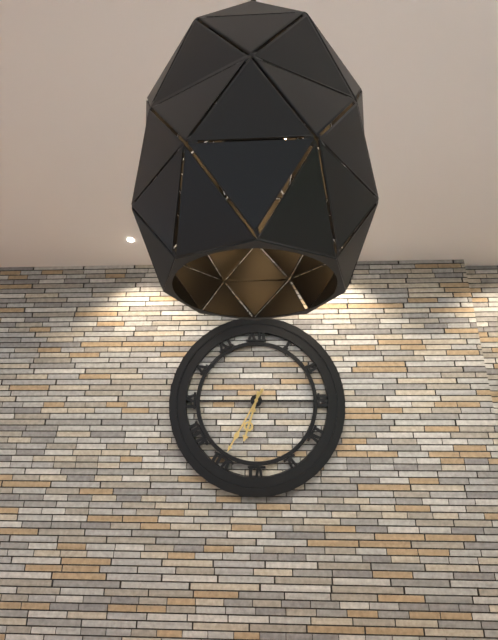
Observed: 6:35
